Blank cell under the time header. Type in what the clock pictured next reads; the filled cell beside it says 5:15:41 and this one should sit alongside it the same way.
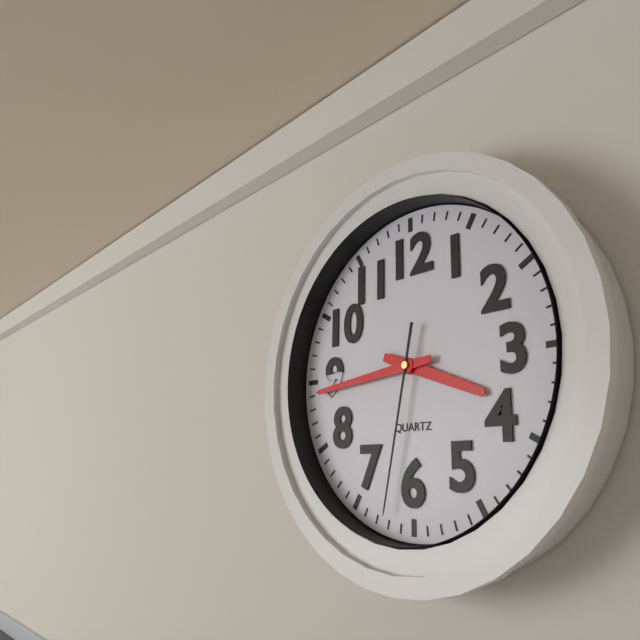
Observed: 3:44:32
